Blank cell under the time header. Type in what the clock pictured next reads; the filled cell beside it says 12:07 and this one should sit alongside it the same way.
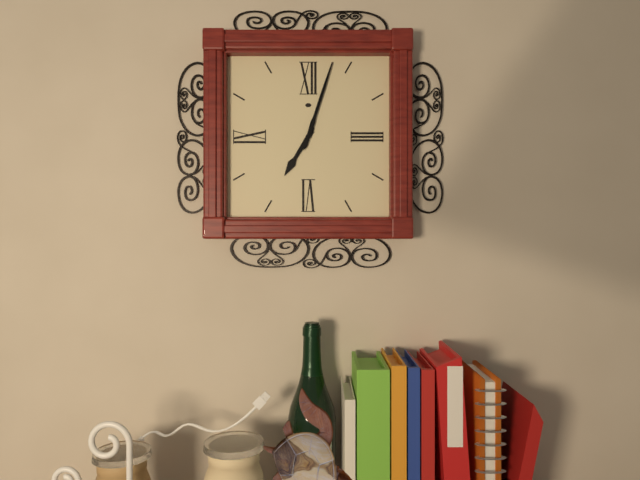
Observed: 7:03
